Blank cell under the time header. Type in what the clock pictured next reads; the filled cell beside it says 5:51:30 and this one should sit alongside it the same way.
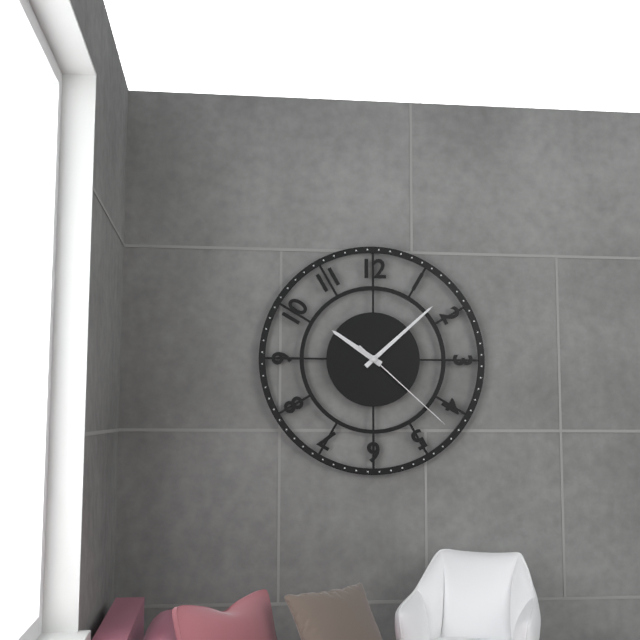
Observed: 10:08:22
